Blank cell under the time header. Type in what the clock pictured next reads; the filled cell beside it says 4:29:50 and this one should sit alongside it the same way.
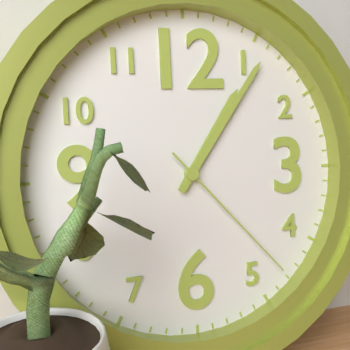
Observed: 1:06:23
